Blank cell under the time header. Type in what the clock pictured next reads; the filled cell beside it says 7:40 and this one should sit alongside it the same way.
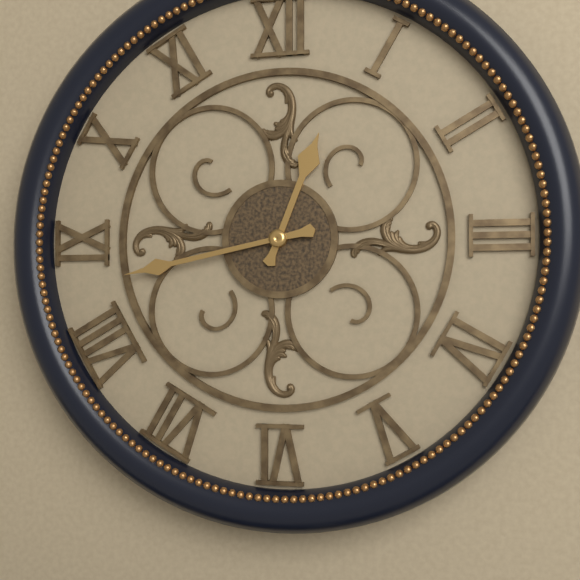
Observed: 12:43
